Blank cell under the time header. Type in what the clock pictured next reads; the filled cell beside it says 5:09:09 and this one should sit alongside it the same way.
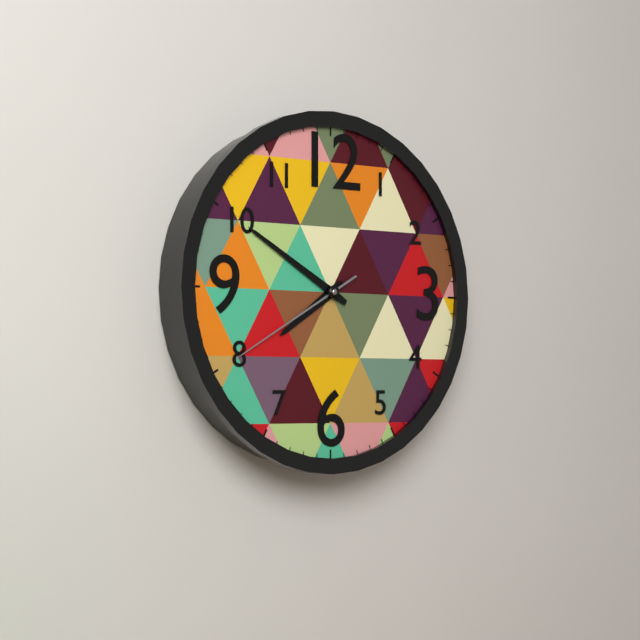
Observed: 7:50:40
